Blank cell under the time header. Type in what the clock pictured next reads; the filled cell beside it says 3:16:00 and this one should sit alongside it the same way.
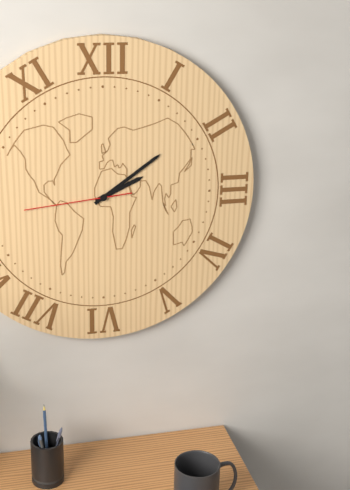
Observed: 2:09:44
